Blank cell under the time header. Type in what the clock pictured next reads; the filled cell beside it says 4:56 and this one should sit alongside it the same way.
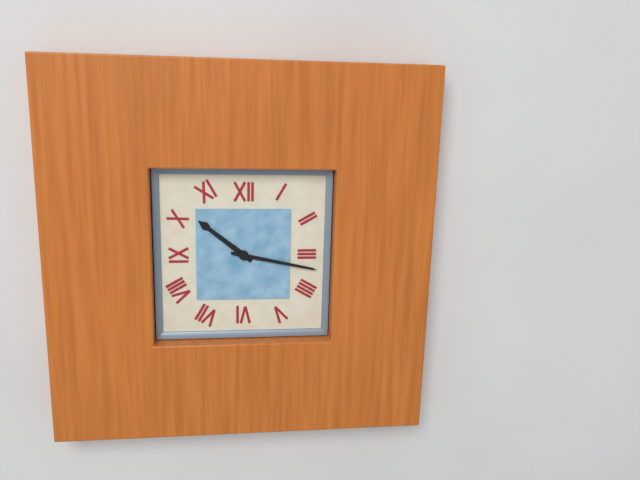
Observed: 10:17
